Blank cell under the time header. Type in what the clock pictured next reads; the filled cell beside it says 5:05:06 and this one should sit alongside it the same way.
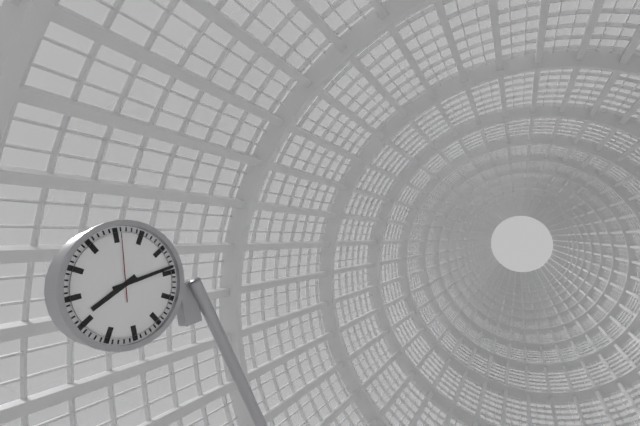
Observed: 8:14:01
